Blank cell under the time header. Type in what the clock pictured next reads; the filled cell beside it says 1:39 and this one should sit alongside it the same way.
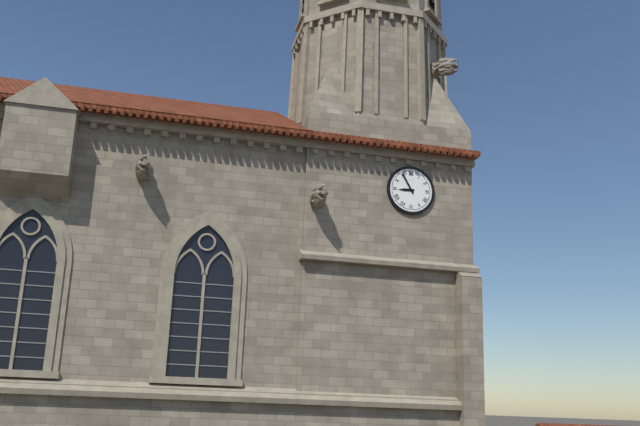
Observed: 8:55
